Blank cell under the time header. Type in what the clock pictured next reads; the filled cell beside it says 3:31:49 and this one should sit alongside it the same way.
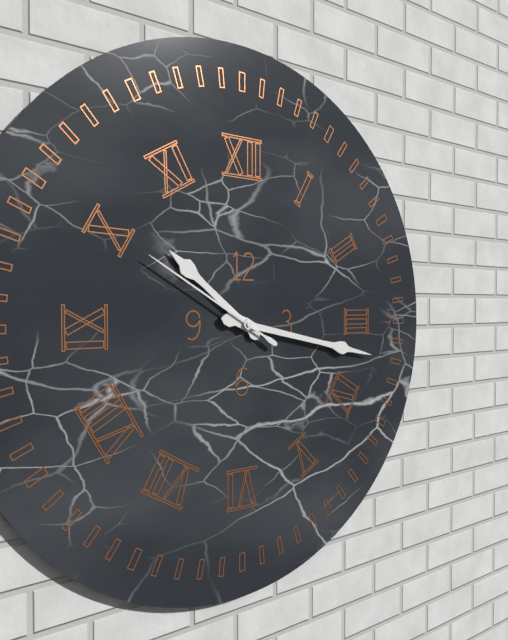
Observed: 10:17:50
